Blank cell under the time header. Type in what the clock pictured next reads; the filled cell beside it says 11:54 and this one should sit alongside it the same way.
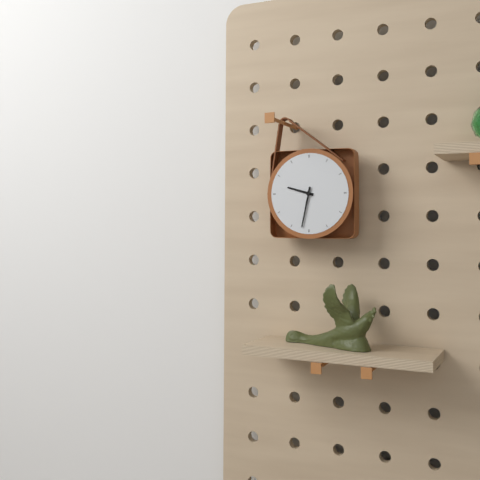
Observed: 9:32
